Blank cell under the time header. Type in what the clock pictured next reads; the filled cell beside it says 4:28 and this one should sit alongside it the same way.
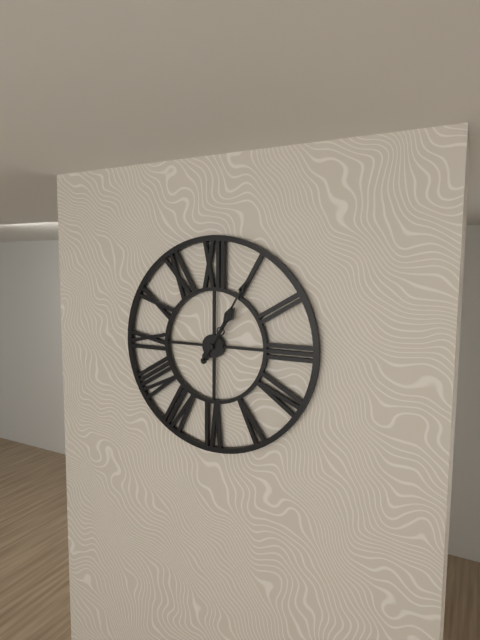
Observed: 1:05
